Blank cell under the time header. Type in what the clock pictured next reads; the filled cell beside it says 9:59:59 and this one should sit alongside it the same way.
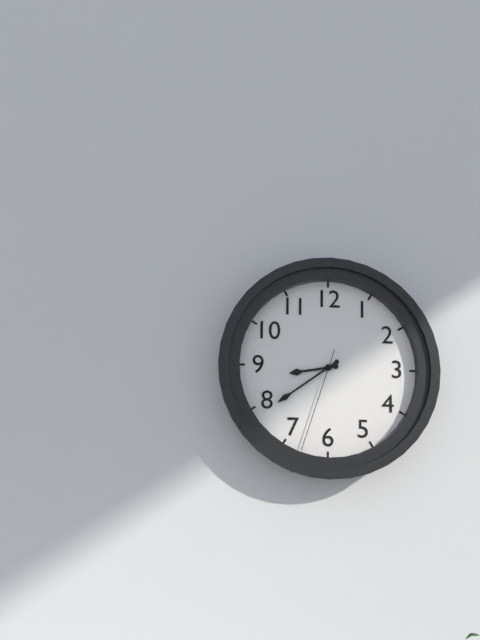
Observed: 8:39:33
